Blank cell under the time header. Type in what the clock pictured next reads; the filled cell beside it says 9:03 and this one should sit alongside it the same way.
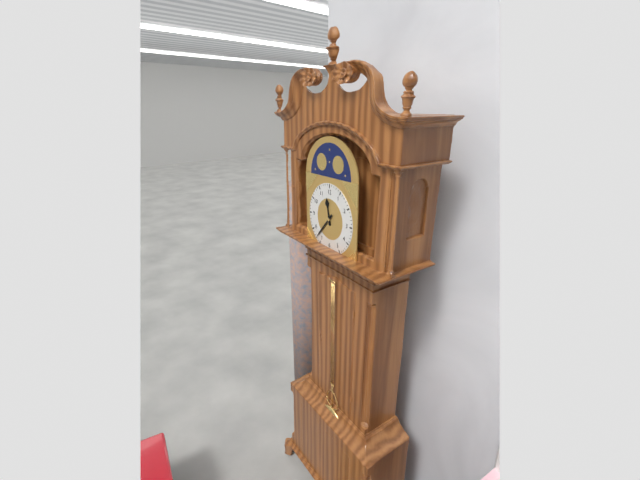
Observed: 11:37
